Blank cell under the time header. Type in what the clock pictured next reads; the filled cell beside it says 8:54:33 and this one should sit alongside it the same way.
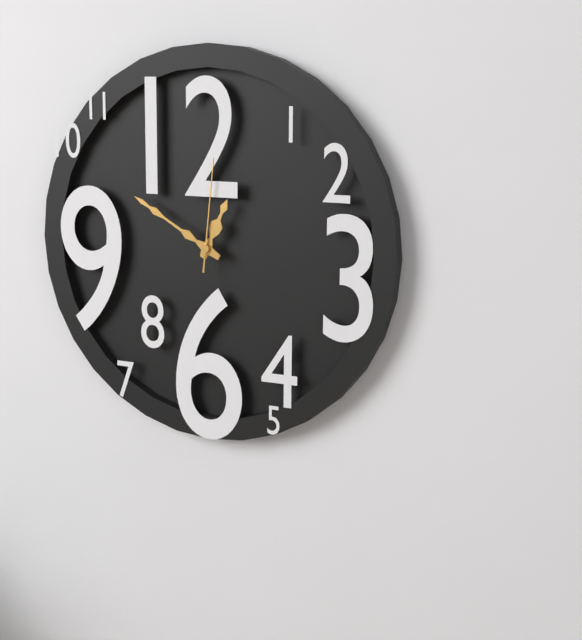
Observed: 12:50:01
